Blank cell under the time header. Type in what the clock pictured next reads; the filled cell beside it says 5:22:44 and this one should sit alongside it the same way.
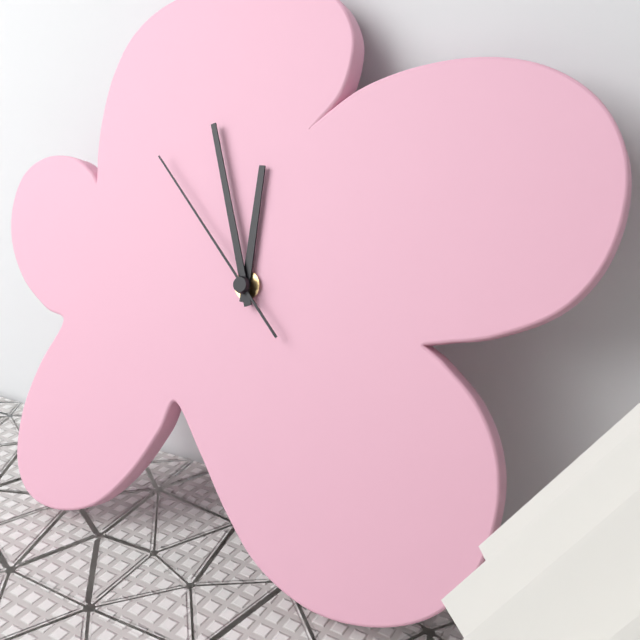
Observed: 11:56:52
